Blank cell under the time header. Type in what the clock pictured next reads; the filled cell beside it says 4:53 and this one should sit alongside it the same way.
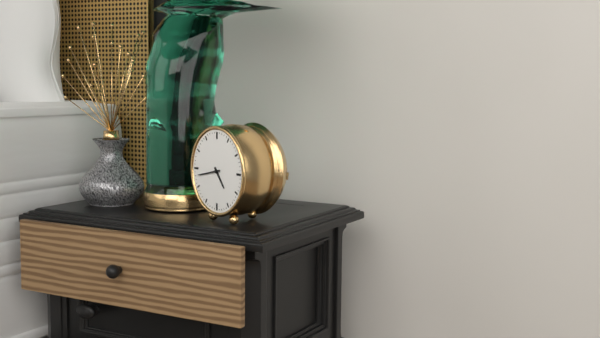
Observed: 4:43
